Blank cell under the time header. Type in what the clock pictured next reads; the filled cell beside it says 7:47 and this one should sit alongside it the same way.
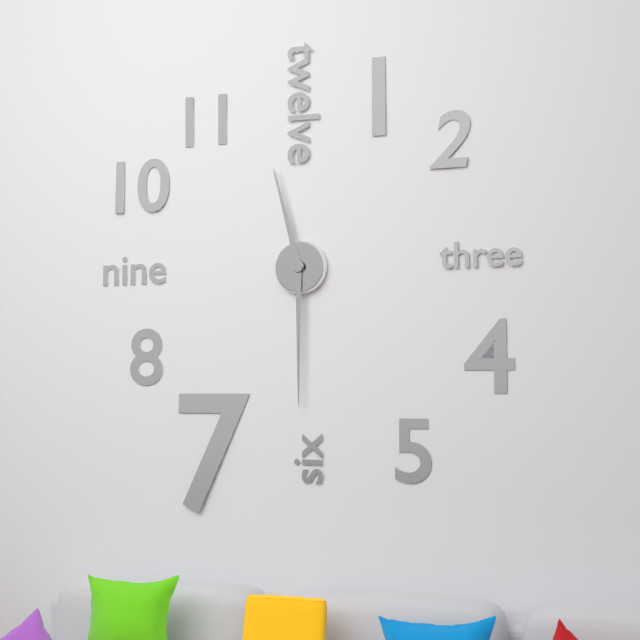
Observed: 11:30
